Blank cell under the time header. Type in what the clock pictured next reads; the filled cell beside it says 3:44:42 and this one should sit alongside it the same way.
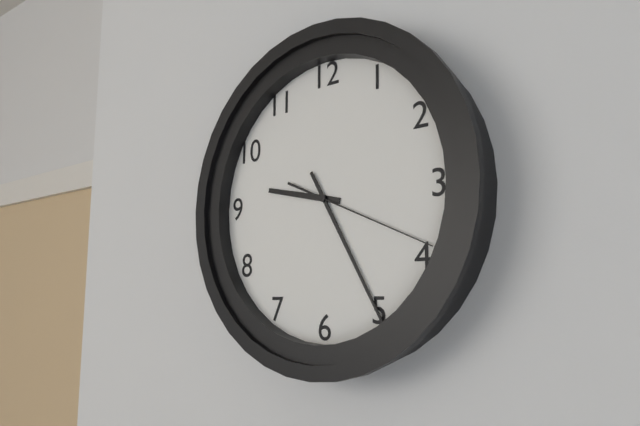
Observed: 9:25:19
